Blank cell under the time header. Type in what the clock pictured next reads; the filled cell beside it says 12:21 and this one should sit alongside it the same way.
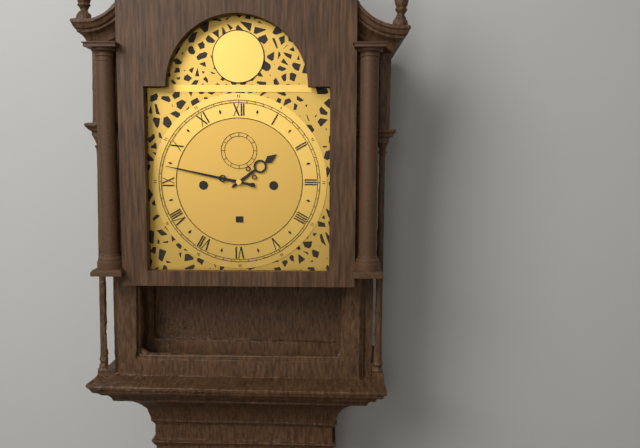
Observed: 1:47
